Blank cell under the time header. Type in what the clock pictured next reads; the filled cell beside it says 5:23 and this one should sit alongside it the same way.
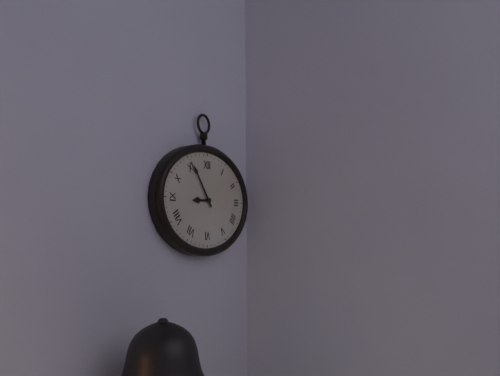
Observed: 8:54
